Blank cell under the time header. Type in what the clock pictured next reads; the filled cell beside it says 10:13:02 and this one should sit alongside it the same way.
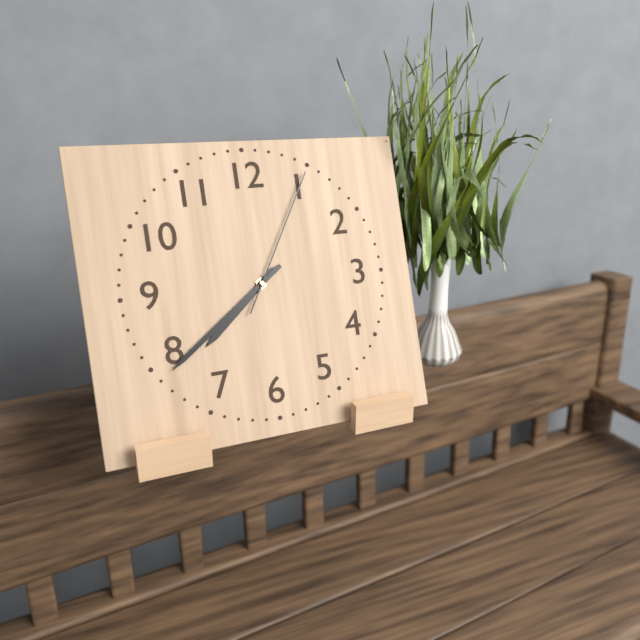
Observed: 7:39:05
